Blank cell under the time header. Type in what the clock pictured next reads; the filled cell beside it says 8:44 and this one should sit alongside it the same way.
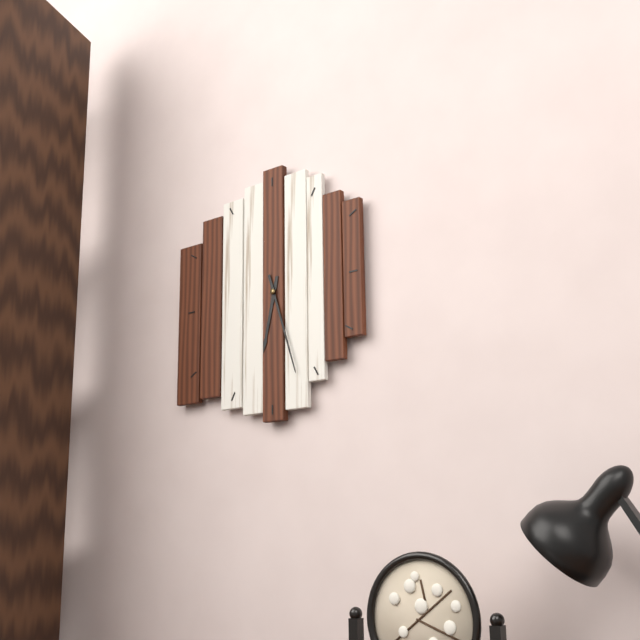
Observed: 6:27
